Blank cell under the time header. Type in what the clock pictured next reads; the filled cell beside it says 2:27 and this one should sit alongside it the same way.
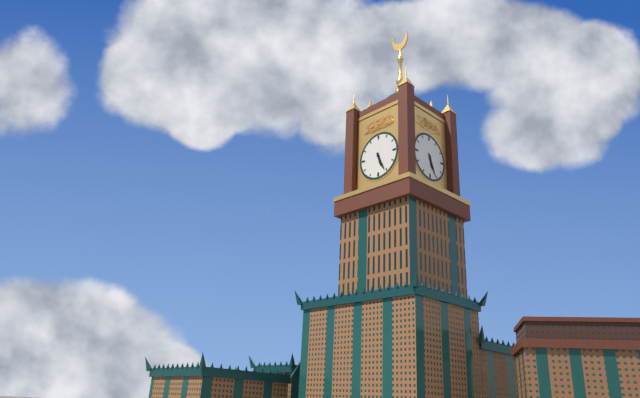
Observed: 5:26
